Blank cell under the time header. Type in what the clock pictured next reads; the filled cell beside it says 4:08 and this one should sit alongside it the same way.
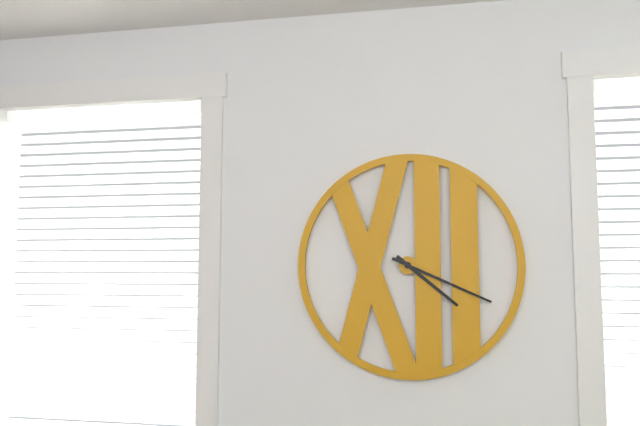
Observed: 4:19
